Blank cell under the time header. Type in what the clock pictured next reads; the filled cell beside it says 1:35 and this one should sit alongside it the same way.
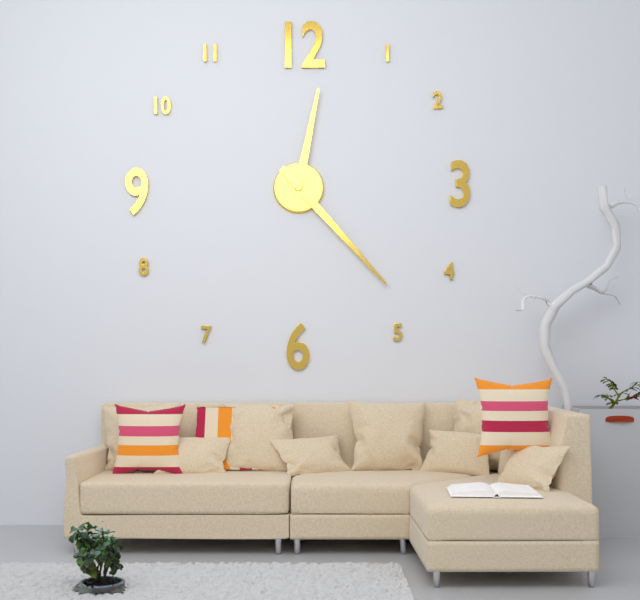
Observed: 12:23
